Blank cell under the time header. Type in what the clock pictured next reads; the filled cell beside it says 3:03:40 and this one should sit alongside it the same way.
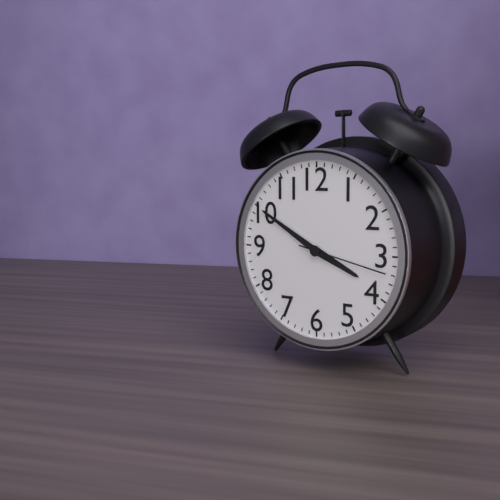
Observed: 3:50:17
